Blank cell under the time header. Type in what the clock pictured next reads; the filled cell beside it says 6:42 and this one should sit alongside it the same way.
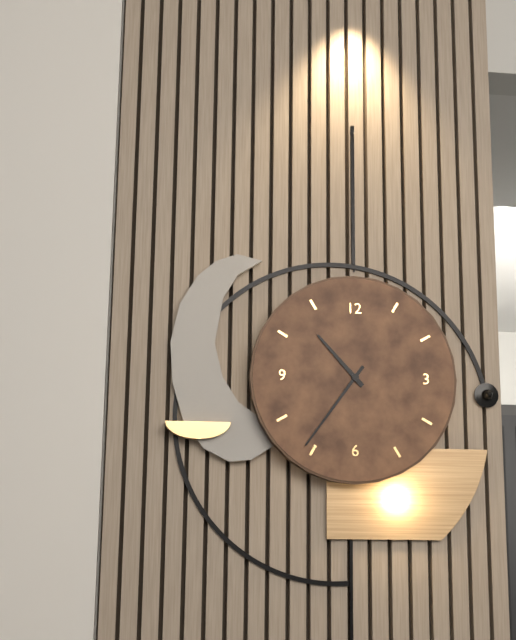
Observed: 10:36
